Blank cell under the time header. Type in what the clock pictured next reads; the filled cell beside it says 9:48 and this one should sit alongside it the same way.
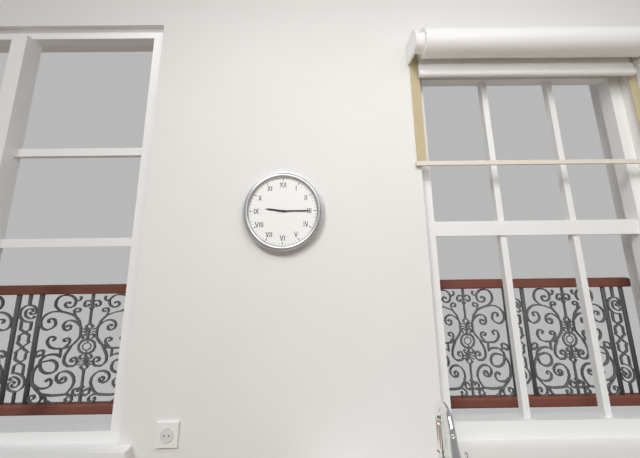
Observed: 9:15
